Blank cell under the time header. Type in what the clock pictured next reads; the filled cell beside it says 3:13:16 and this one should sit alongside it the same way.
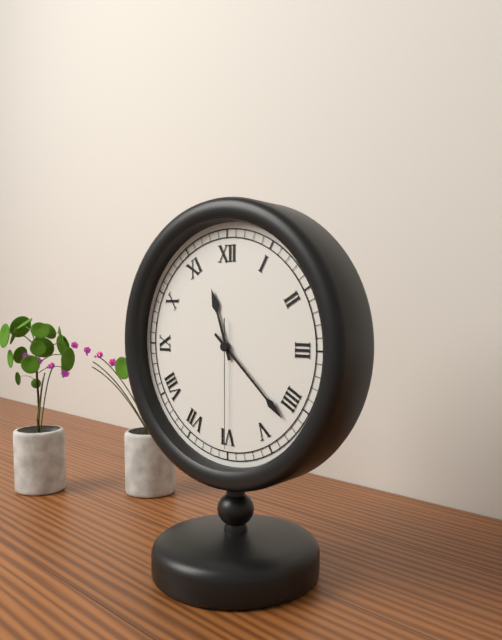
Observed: 11:22:30
